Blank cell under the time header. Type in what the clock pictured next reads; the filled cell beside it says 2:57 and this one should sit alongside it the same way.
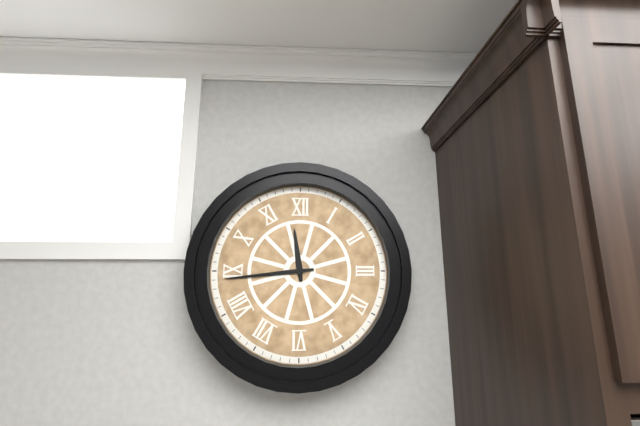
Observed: 11:44
